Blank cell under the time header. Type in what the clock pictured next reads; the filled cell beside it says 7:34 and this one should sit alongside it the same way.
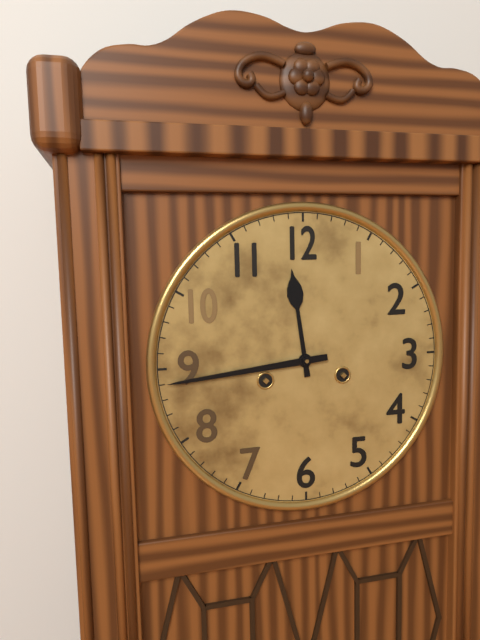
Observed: 11:44
